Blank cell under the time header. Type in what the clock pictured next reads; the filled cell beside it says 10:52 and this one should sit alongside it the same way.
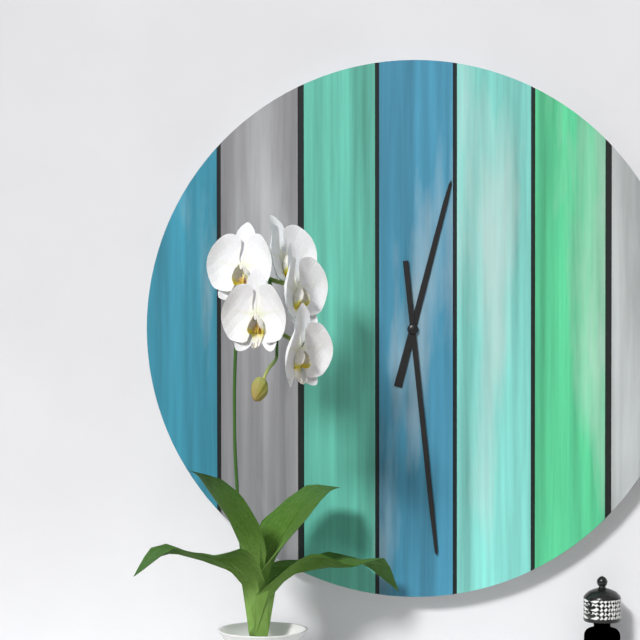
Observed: 12:29
